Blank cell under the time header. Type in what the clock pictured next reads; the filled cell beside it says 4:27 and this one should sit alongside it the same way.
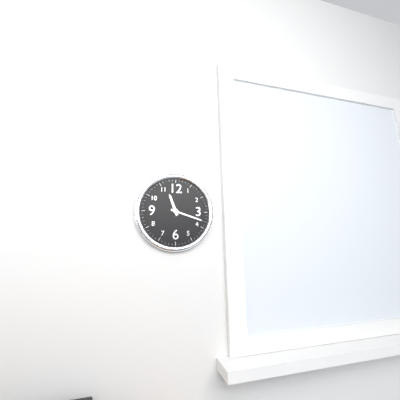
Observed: 11:18
